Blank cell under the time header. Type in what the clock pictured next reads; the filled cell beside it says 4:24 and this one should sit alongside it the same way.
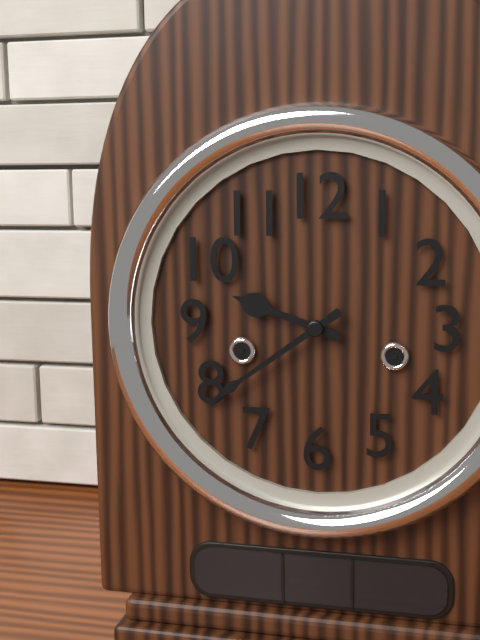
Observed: 9:39
